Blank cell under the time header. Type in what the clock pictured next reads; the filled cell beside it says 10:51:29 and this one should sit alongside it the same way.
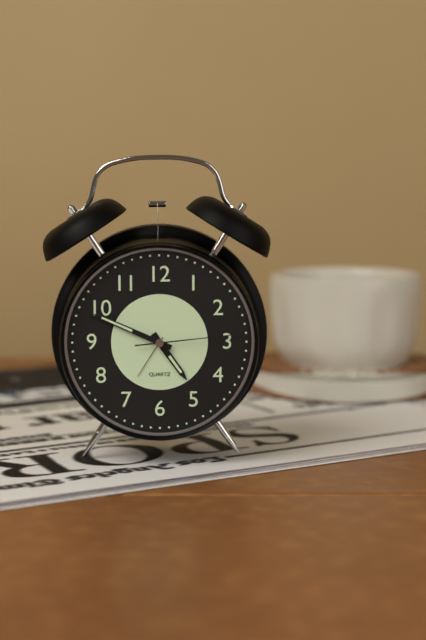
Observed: 4:49:14
